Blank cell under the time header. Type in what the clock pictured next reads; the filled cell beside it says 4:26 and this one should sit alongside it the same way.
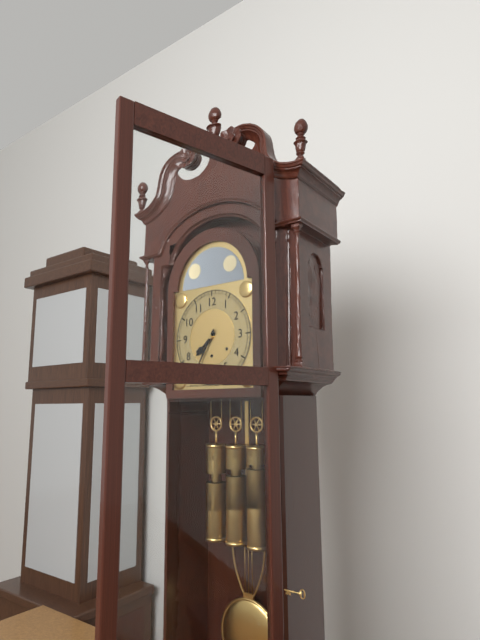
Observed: 7:35
